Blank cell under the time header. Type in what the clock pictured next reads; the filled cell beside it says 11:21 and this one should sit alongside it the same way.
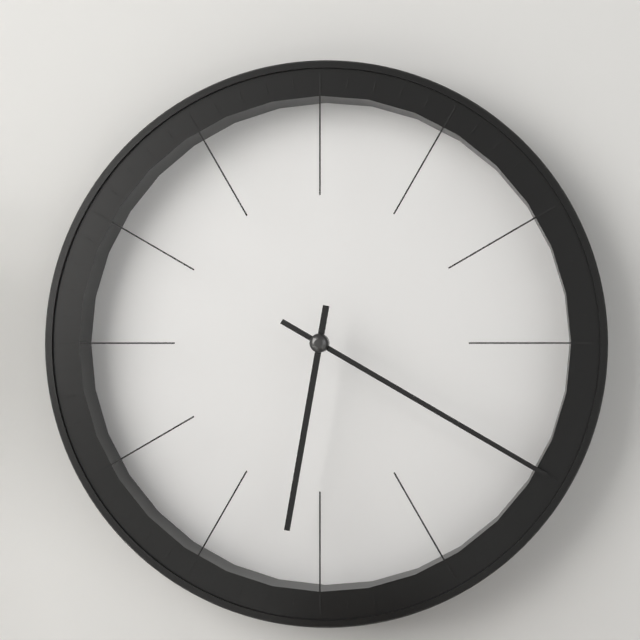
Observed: 6:20
